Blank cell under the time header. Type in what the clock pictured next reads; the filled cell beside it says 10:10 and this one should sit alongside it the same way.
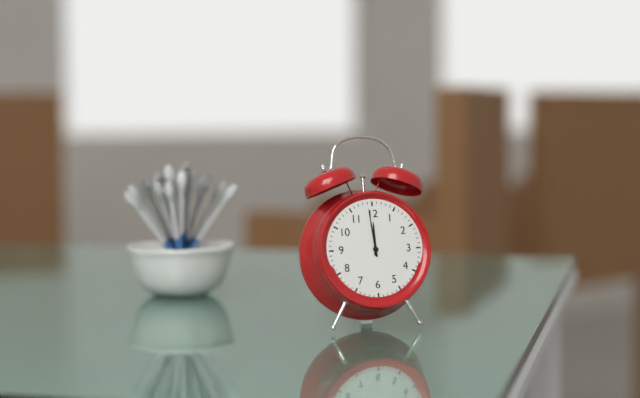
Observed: 11:59
